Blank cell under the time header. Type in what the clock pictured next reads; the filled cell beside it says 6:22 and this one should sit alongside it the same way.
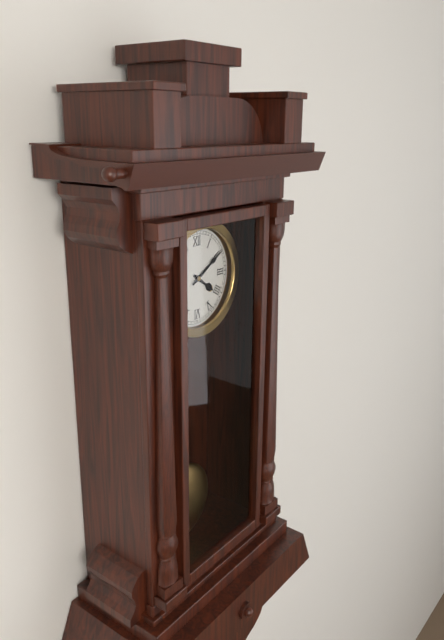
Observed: 4:10
